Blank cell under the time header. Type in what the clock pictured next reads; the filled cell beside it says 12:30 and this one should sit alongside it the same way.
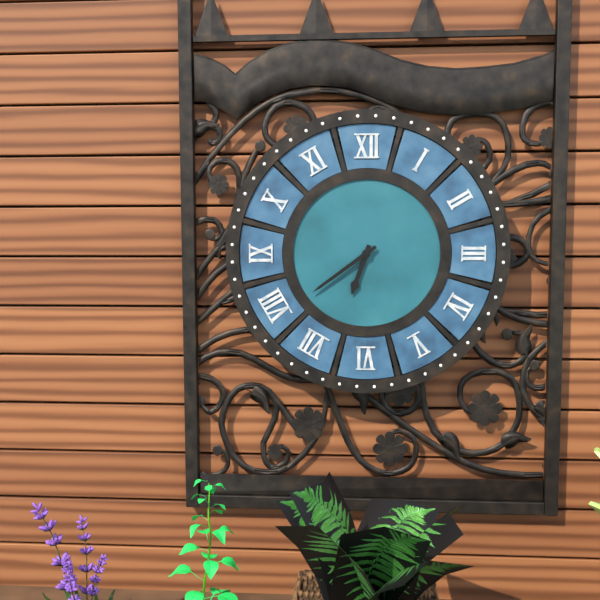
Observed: 6:39
